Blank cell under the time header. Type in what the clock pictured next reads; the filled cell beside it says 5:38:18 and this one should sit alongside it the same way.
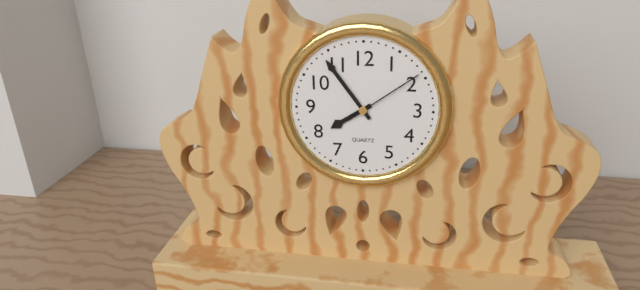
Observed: 7:54:09
